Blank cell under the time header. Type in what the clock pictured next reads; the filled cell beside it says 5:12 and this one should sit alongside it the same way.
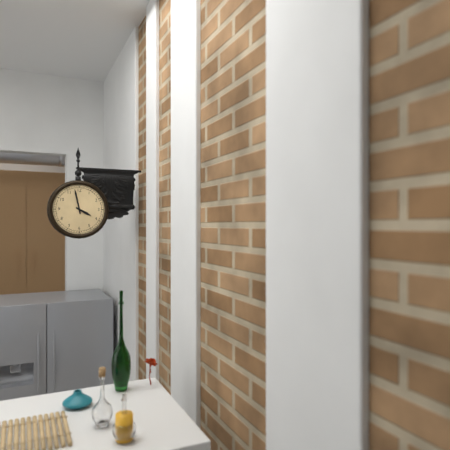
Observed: 3:58
